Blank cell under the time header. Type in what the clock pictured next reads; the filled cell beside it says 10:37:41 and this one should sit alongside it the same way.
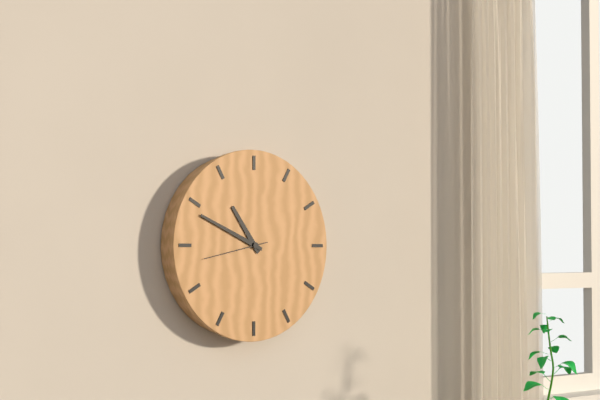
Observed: 10:49:43
